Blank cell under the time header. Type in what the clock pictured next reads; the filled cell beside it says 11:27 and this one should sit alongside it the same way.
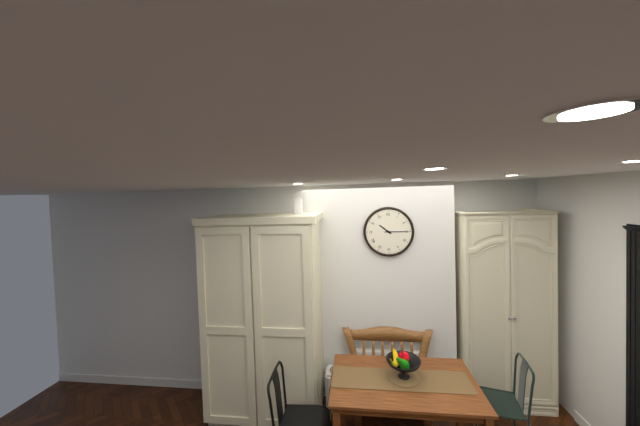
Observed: 10:15
